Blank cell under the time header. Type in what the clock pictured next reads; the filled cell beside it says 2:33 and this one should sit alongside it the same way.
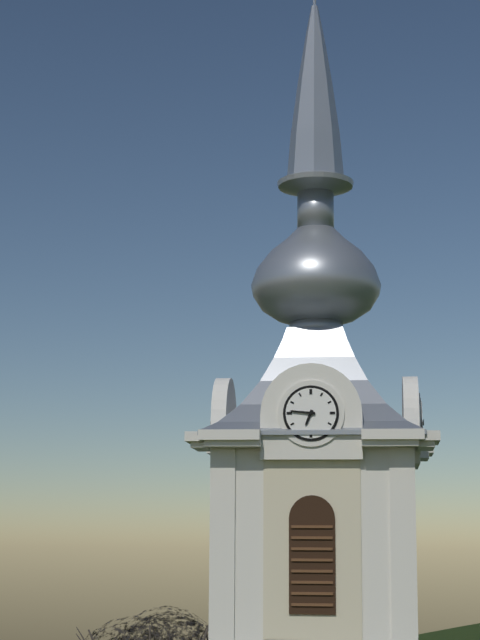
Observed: 6:46
